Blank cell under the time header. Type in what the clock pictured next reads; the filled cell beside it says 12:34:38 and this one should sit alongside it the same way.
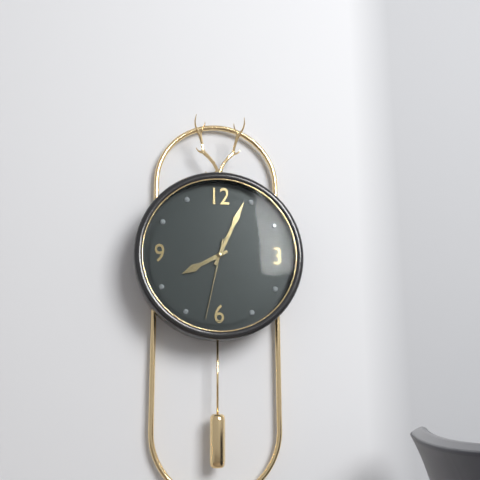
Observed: 8:04:32
